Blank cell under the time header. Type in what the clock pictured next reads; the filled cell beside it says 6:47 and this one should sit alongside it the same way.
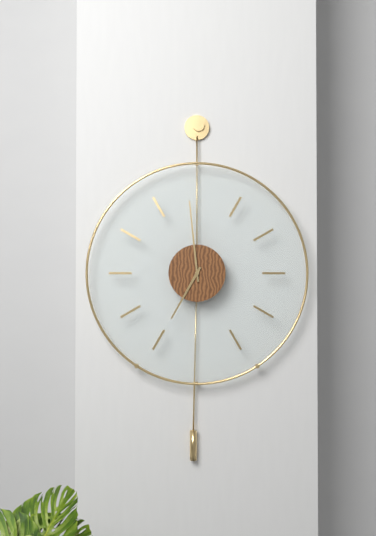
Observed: 6:59
